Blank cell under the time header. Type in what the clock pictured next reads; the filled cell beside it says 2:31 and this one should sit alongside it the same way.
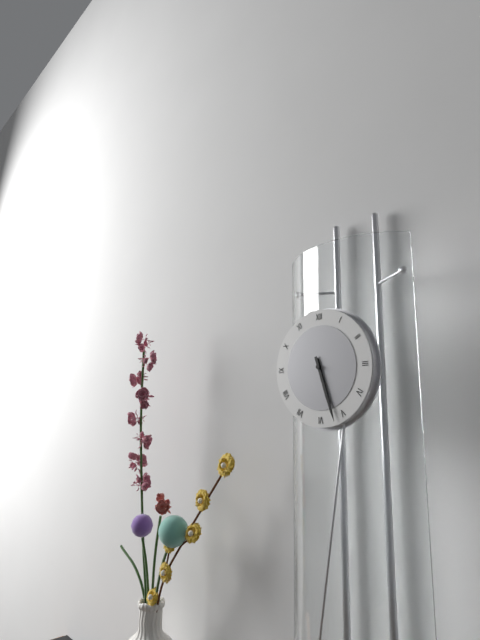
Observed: 5:27
